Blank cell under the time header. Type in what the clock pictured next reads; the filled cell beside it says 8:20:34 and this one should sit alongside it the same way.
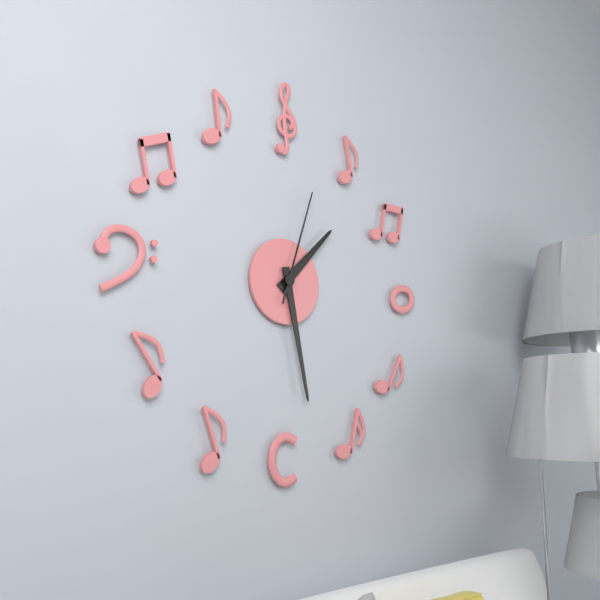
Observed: 1:28:03
